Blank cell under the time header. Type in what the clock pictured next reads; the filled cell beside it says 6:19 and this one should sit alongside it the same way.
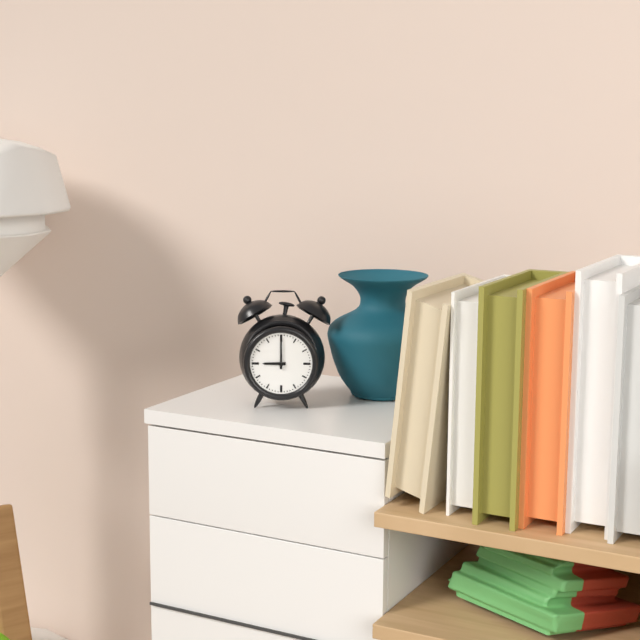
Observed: 9:00
